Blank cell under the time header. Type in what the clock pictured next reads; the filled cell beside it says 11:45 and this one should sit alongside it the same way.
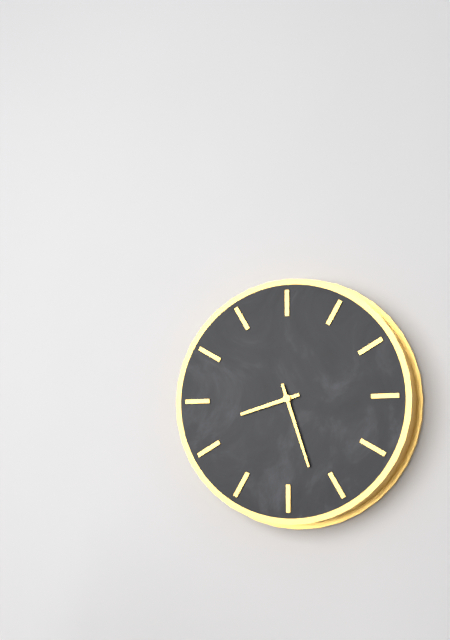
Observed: 8:27
